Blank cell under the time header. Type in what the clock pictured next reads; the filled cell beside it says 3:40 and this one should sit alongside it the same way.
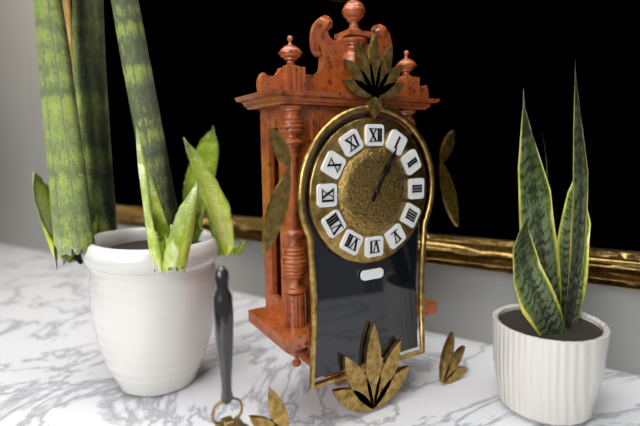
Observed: 1:05
